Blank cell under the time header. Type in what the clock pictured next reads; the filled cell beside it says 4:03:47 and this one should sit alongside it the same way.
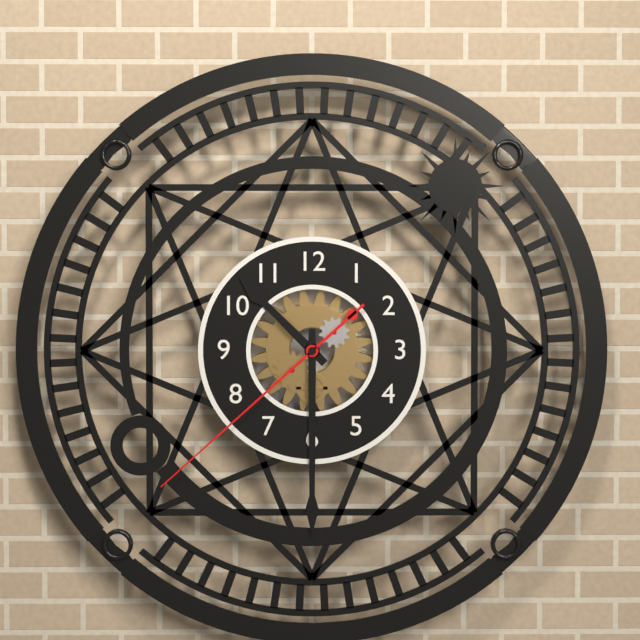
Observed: 10:30:38
